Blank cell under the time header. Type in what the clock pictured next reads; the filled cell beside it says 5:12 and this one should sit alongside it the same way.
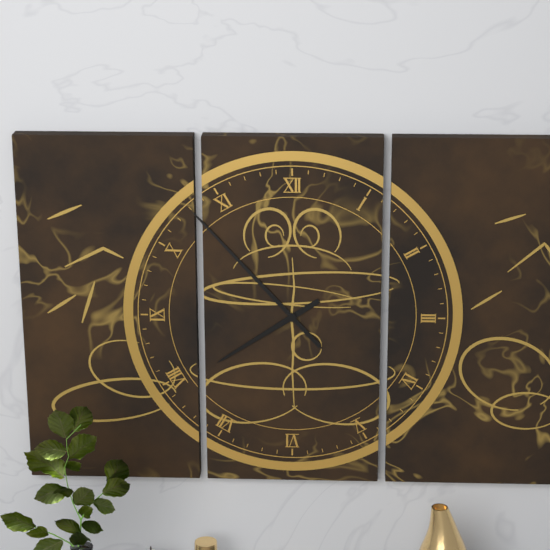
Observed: 7:53
